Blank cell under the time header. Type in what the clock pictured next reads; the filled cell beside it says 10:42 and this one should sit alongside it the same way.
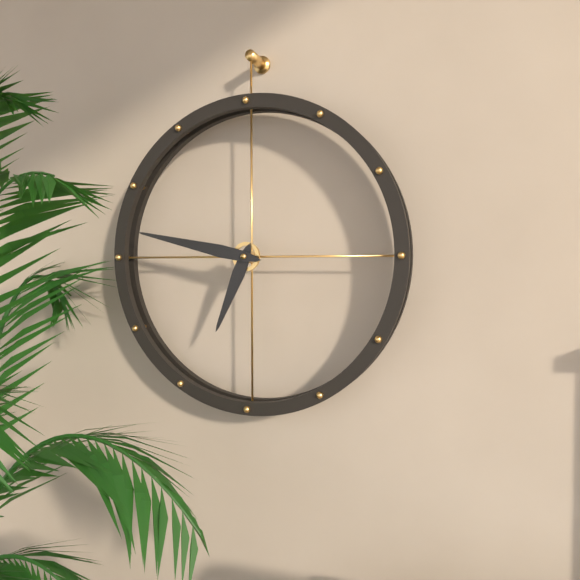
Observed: 6:47
